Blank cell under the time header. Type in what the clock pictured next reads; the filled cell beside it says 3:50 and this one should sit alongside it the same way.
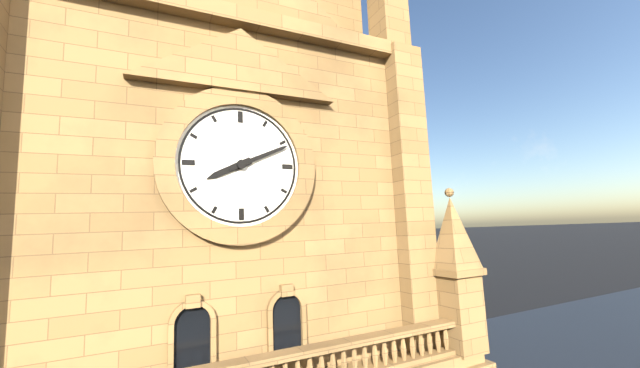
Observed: 8:11
